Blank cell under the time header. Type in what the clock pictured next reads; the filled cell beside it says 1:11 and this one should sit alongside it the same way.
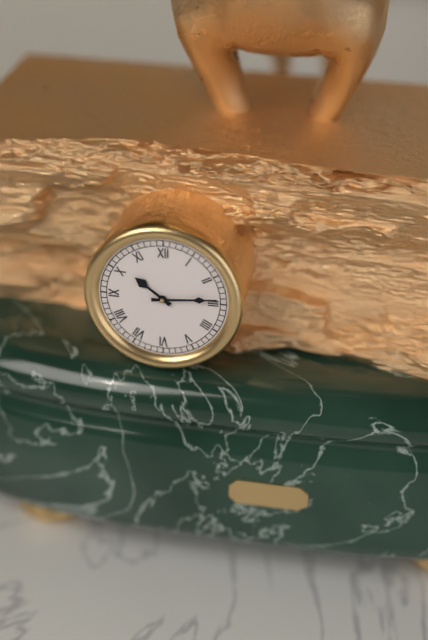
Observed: 10:14
